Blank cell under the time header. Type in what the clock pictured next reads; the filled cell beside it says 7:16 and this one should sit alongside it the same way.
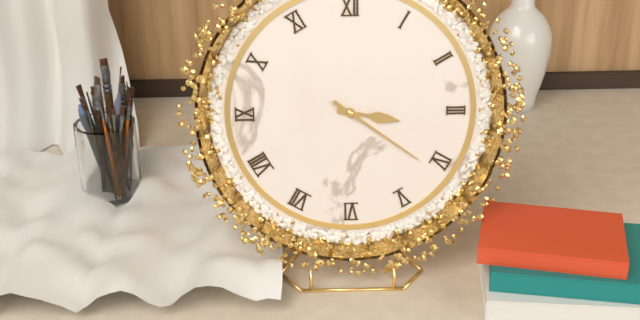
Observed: 3:21
